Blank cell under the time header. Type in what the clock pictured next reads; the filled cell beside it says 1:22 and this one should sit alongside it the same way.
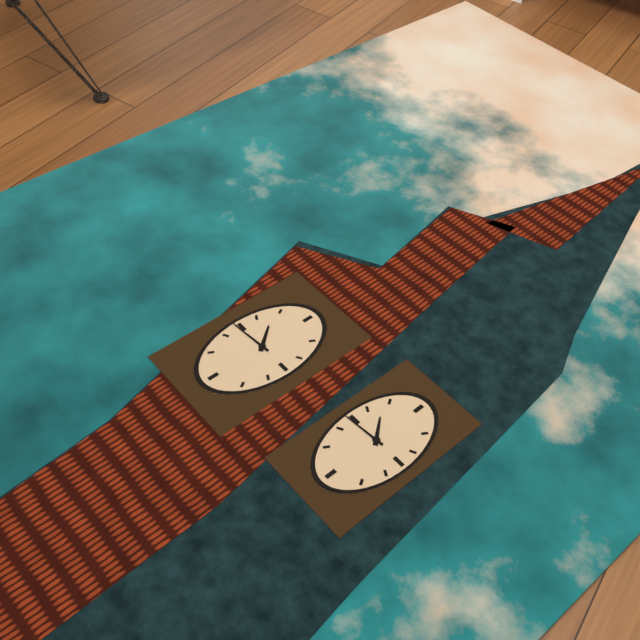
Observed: 10:44
